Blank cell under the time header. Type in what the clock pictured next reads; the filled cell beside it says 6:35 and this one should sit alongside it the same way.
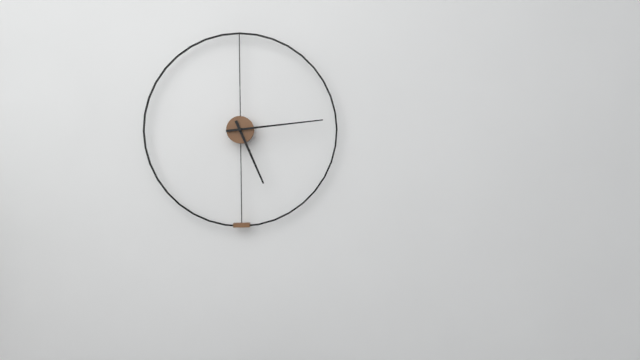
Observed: 5:14
